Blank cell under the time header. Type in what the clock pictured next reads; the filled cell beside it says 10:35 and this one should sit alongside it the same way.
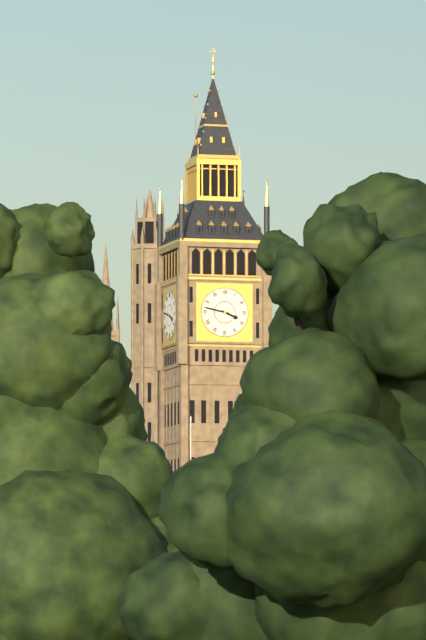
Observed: 3:47
